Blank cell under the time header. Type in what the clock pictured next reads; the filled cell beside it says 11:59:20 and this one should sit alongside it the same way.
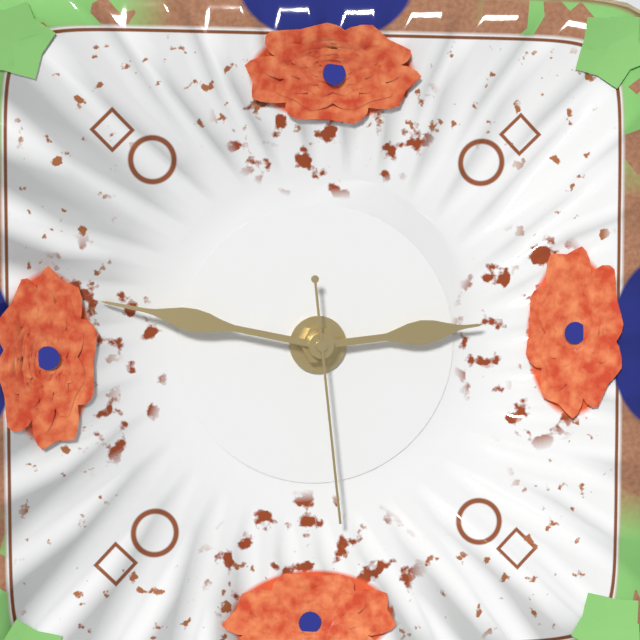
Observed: 2:47:29
